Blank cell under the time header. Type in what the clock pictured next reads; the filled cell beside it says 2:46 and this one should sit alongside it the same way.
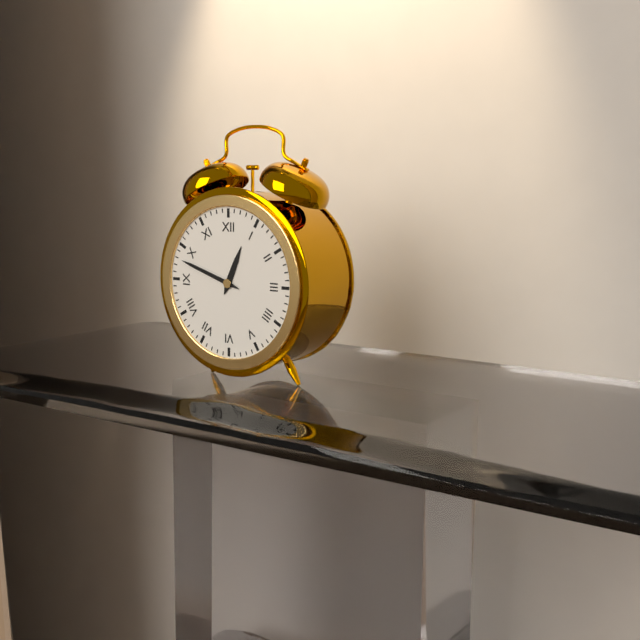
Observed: 12:48
